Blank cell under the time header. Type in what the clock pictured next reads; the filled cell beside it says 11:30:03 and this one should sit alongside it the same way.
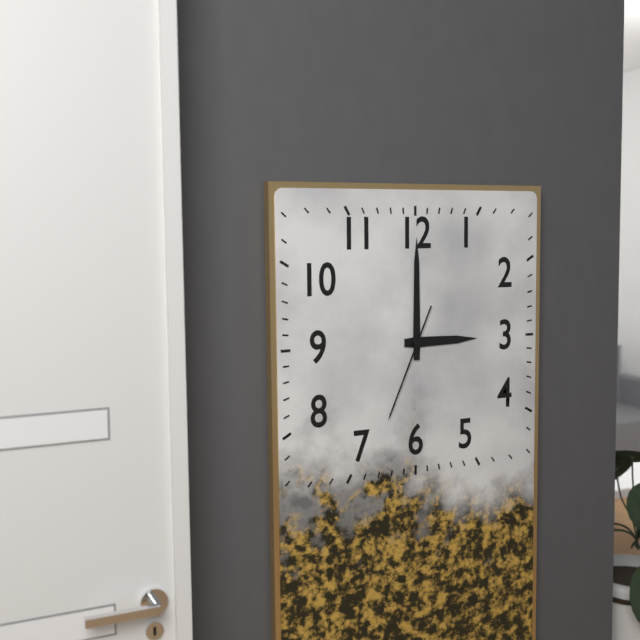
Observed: 3:00:34
